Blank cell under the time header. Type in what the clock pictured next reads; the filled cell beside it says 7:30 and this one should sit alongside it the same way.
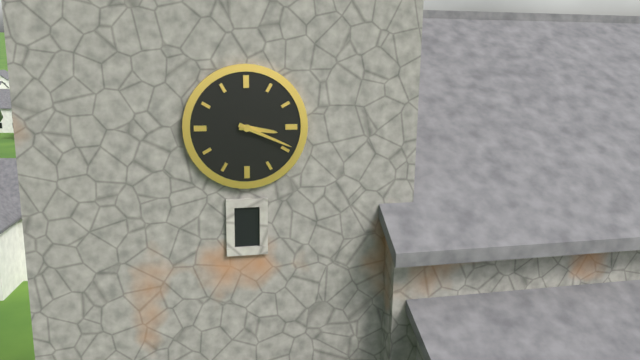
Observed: 3:19
